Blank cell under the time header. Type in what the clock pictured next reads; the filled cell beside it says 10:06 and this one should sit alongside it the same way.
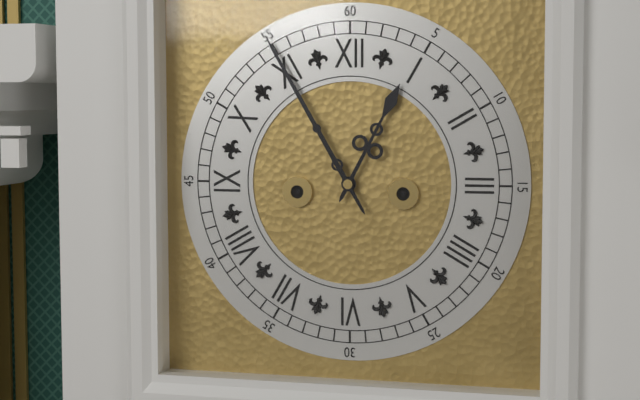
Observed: 12:55
